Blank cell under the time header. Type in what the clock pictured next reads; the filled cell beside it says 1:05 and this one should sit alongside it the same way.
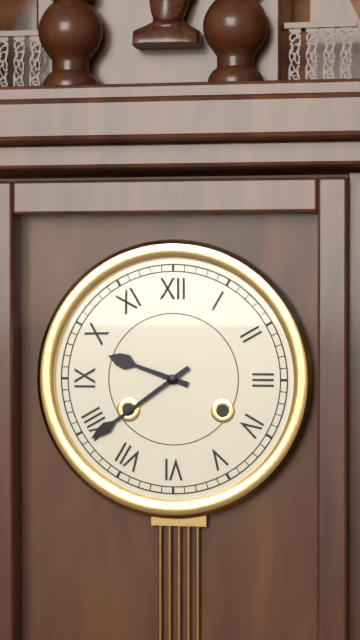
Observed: 9:39
